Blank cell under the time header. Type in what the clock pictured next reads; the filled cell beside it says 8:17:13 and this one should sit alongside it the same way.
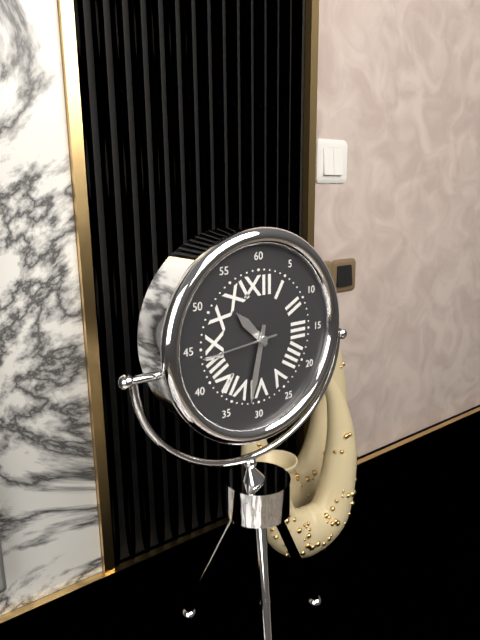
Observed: 10:32:44
